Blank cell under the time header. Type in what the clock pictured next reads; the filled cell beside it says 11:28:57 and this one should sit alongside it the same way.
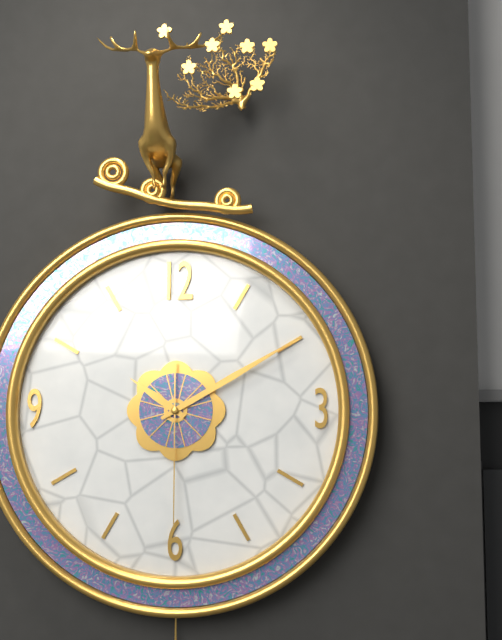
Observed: 10:10:30
